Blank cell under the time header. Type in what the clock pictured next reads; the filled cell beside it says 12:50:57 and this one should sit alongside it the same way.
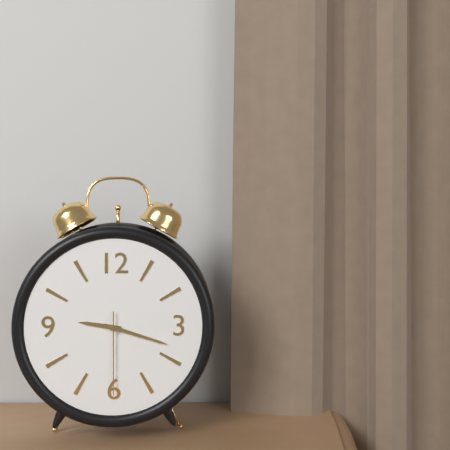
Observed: 9:18:30
